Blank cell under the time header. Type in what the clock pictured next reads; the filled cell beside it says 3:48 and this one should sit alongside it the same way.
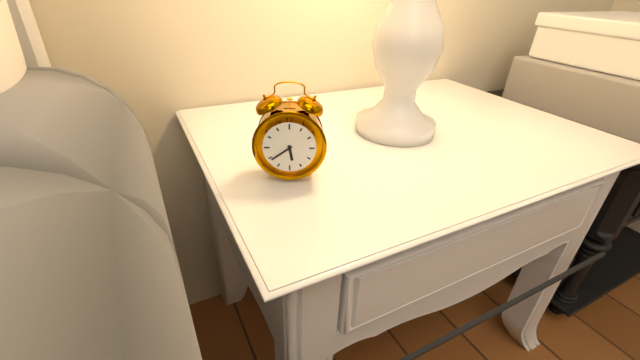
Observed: 5:39
